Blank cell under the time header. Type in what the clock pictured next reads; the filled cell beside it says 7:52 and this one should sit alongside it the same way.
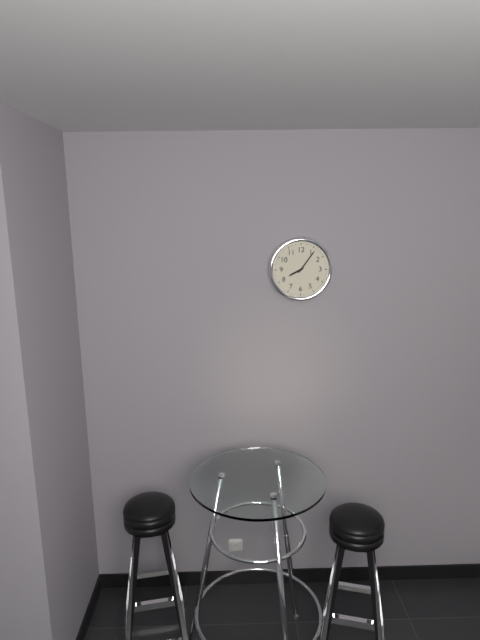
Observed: 8:06
